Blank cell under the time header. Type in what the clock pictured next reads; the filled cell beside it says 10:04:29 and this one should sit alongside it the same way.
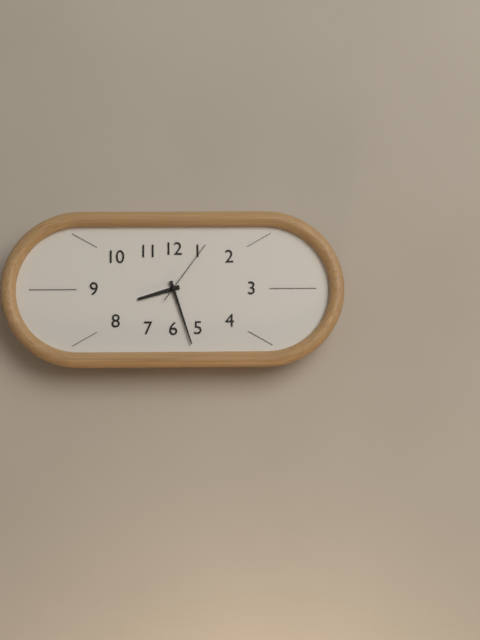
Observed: 8:27:06
